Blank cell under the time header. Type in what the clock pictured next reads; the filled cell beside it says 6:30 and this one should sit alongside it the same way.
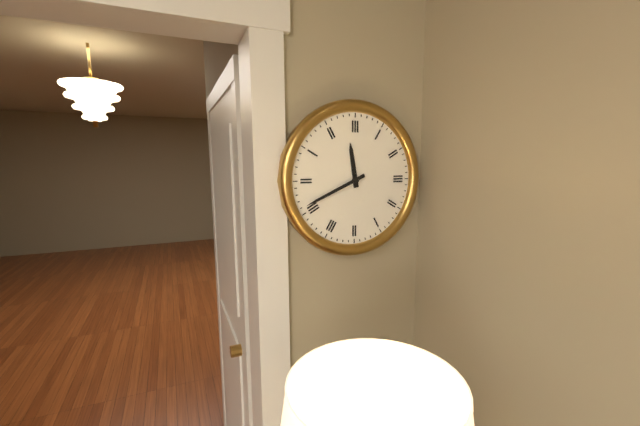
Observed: 11:41
